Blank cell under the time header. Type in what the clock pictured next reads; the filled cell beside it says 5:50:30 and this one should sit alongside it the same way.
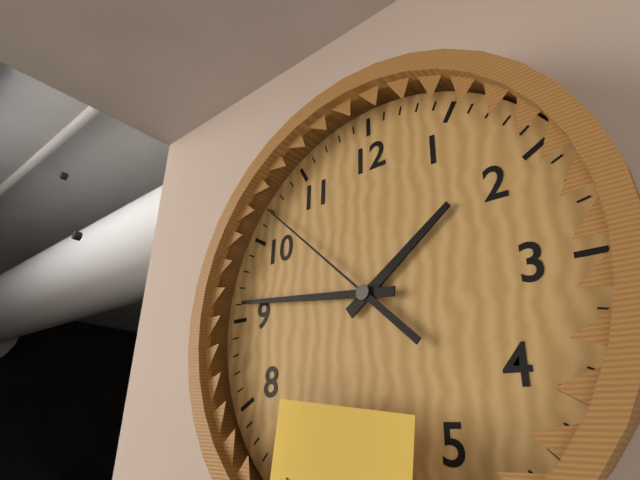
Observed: 1:46:52
